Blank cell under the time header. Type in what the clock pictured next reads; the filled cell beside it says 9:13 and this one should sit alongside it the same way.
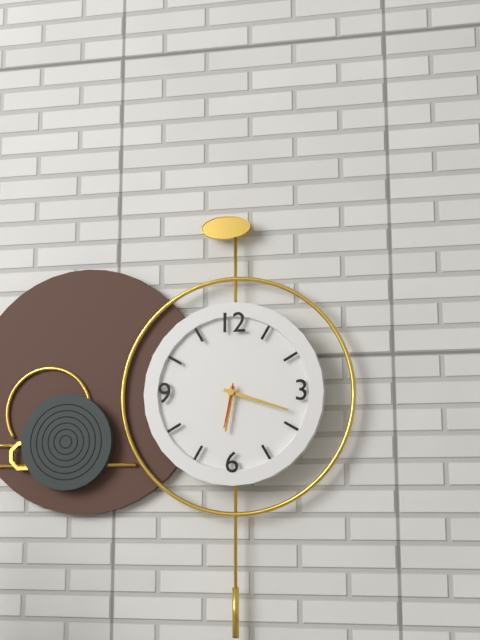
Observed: 6:18
